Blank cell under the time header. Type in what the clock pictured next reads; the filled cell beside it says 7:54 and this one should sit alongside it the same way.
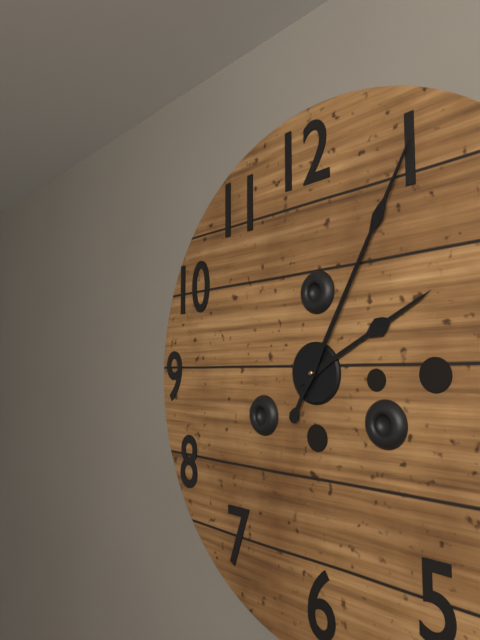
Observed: 2:05
